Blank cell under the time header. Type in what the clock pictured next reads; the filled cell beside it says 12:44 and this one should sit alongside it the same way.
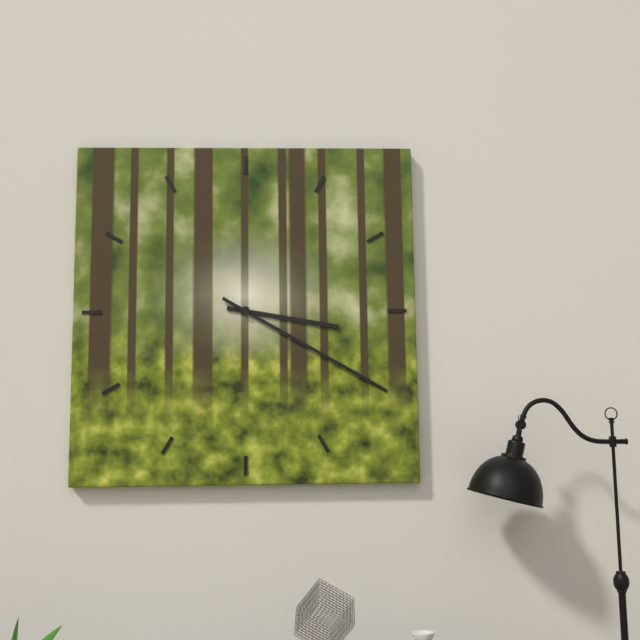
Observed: 3:20
